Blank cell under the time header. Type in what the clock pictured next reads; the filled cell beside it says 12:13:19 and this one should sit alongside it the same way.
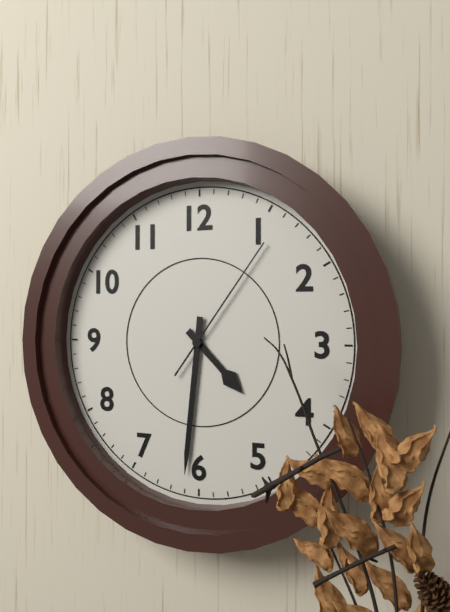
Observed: 4:31:06
